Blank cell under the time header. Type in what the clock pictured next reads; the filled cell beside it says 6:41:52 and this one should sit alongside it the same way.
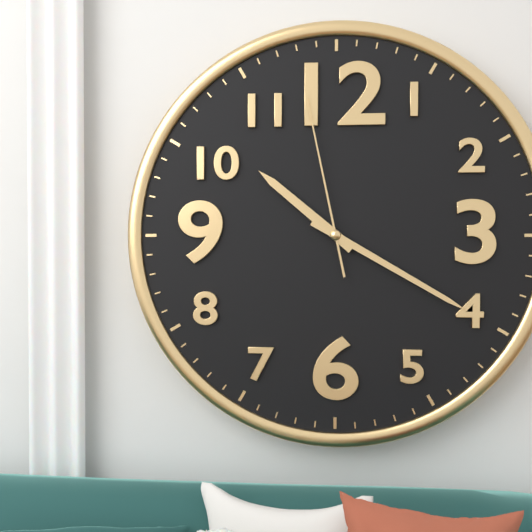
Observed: 10:20:58
